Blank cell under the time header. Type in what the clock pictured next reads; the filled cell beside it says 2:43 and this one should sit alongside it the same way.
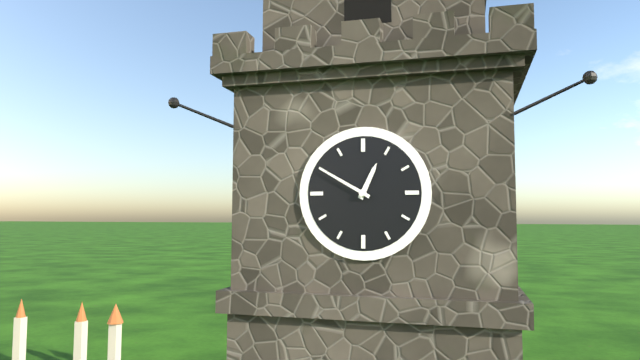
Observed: 12:50
